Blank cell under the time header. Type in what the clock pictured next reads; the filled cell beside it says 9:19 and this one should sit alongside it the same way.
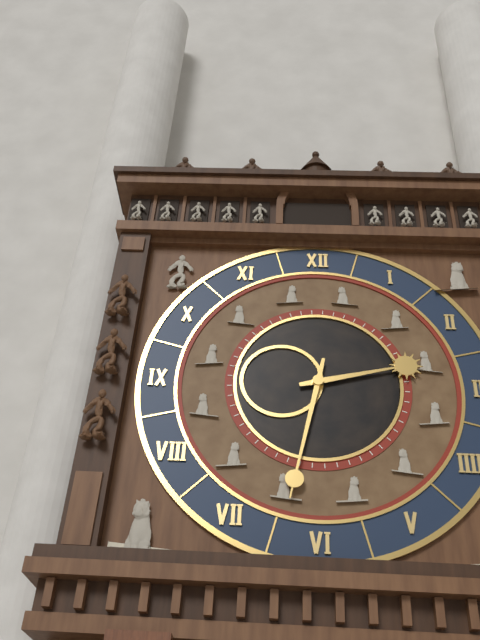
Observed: 2:32
